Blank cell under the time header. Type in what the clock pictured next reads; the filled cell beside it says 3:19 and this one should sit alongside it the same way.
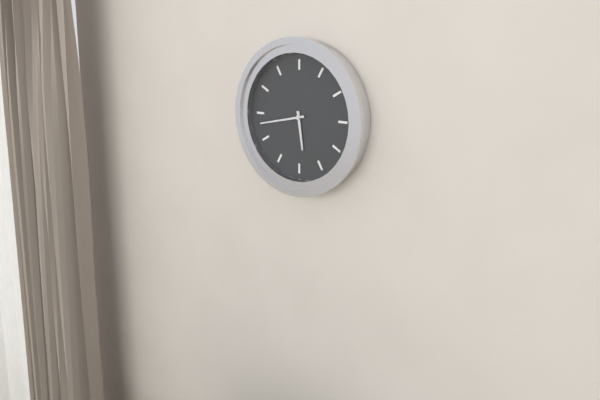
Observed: 5:43
